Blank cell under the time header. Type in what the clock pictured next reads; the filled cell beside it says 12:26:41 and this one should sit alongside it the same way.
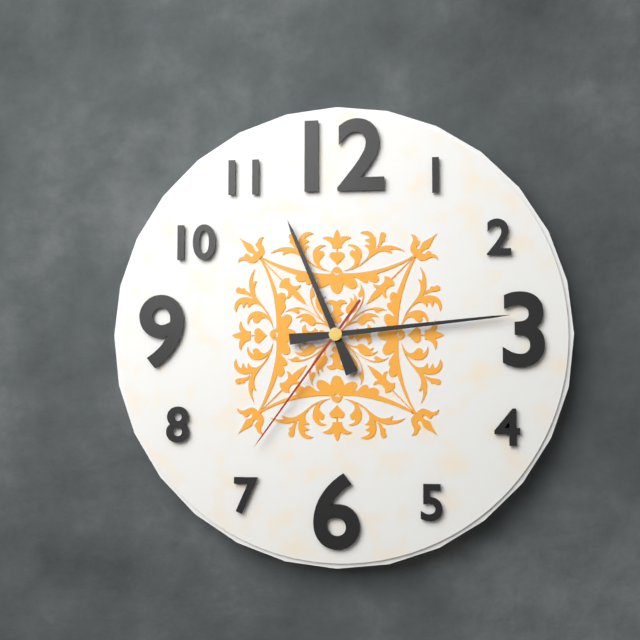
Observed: 11:14:36
